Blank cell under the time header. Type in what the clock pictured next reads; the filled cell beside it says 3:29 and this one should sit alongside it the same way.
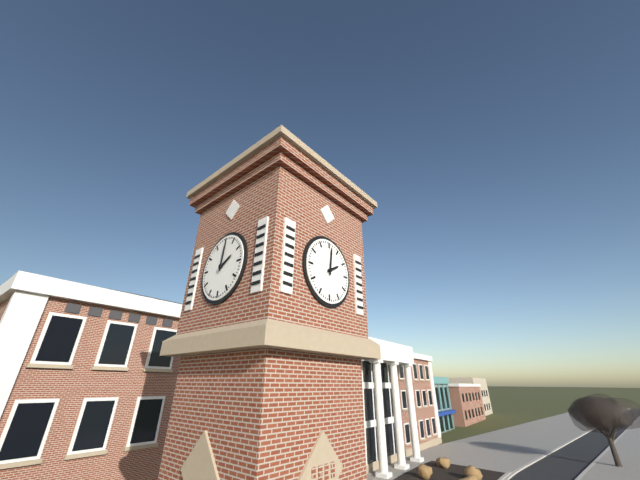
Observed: 2:01
